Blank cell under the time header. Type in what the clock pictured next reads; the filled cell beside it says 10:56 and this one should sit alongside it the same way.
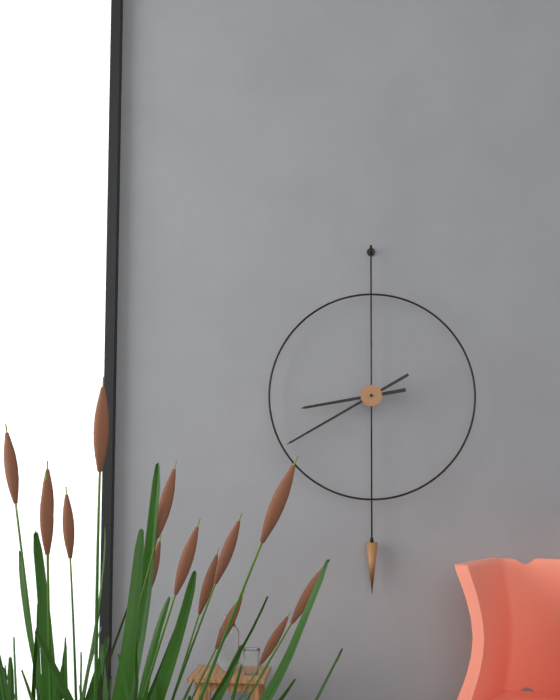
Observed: 8:40
